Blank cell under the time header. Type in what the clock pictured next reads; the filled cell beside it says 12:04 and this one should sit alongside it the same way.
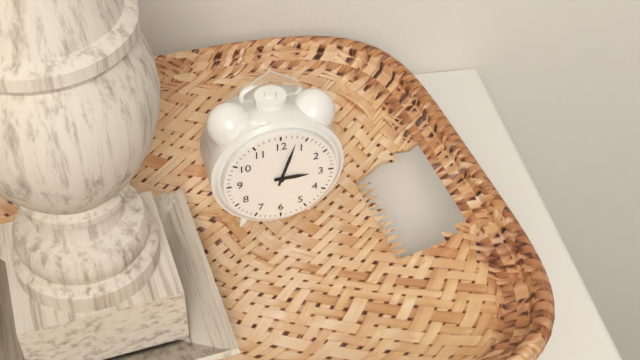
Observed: 3:03
